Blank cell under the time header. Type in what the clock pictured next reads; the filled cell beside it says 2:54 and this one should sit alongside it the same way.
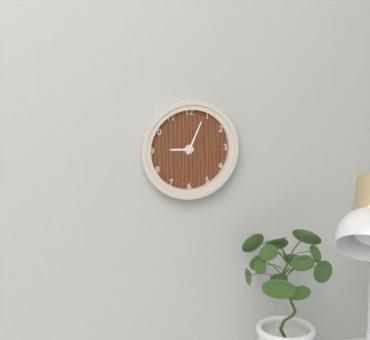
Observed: 9:04
